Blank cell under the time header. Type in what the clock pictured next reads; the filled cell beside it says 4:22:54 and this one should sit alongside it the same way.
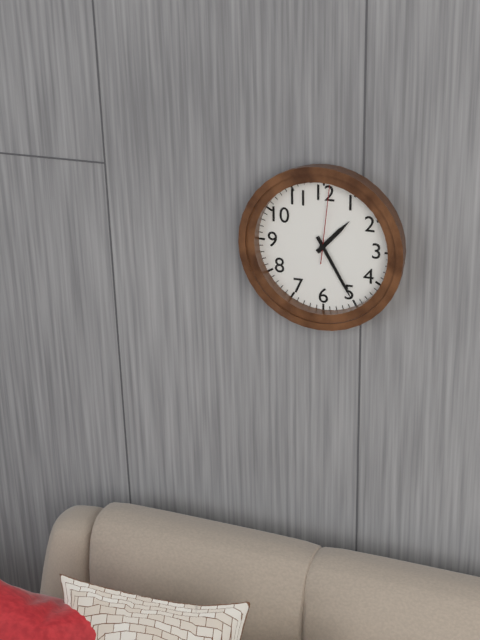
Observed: 1:25:01
